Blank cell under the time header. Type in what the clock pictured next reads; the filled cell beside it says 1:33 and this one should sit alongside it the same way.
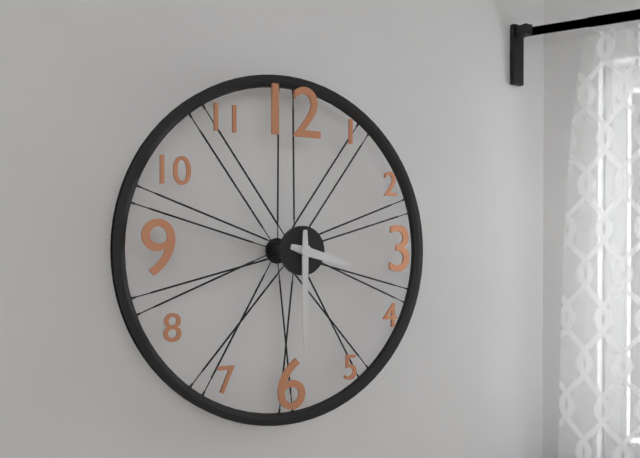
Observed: 3:30
